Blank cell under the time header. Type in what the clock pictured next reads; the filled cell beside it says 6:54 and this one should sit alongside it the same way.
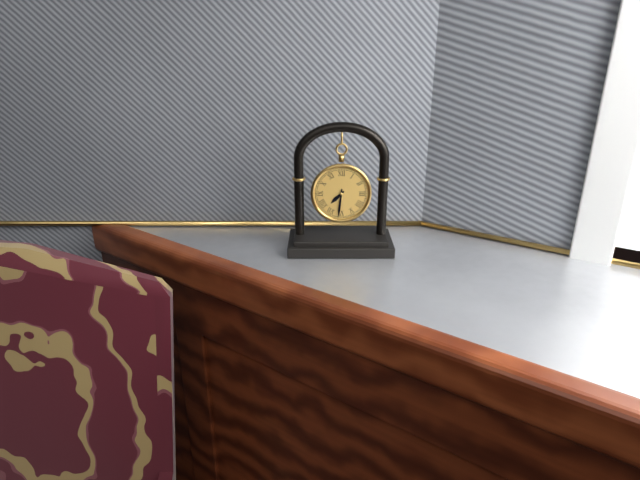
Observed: 7:31
